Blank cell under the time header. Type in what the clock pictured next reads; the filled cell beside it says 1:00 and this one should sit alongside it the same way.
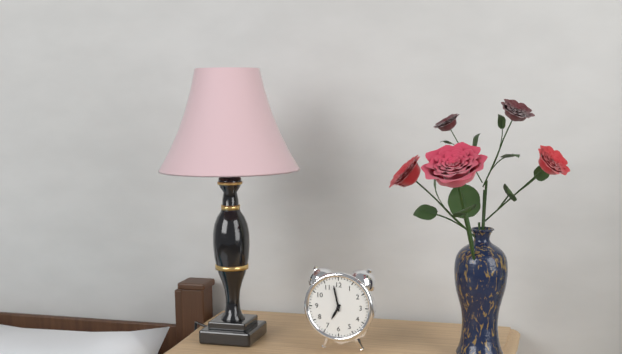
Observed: 6:58
